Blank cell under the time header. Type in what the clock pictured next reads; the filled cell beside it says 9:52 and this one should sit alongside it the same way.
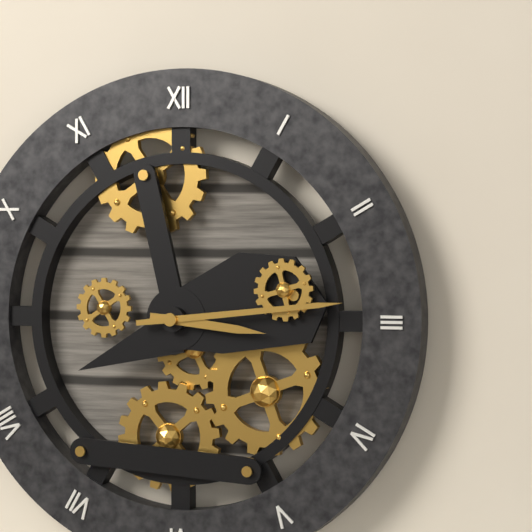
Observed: 3:14
